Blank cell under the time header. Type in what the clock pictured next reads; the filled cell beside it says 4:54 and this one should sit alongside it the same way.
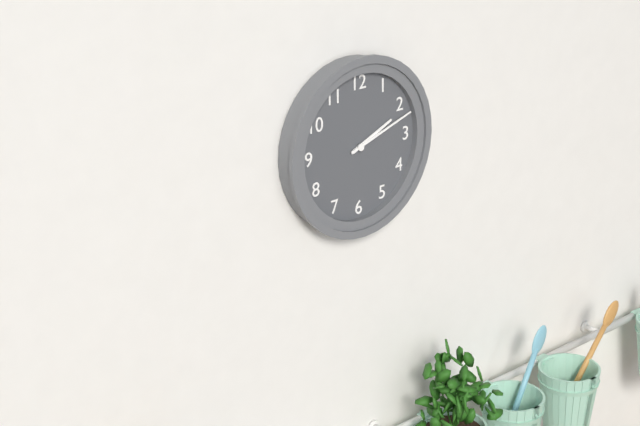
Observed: 2:12
